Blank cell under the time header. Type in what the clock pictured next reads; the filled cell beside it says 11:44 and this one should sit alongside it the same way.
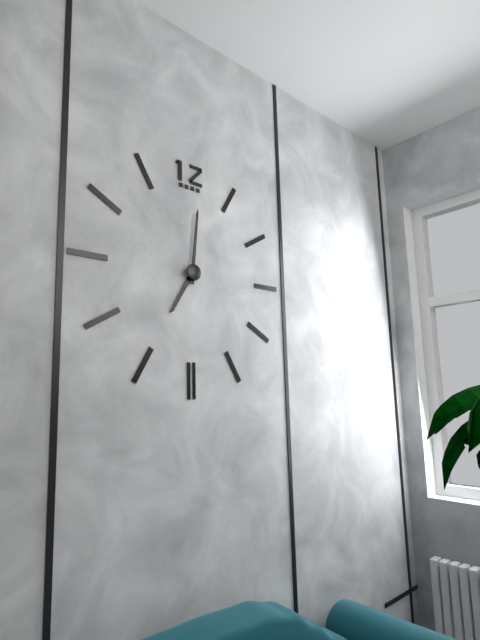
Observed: 7:01
